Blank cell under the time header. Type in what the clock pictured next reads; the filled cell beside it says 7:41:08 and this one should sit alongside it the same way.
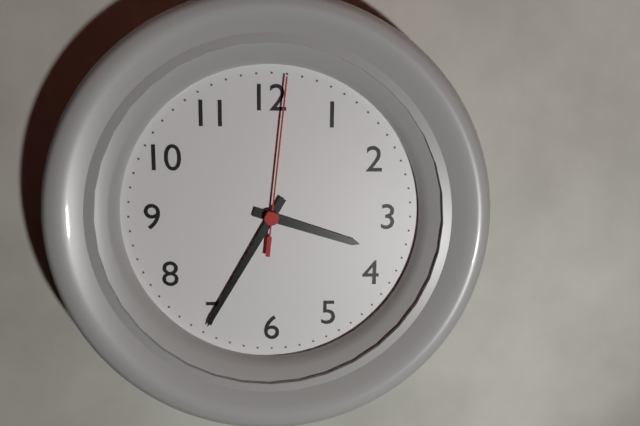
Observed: 3:35:01
